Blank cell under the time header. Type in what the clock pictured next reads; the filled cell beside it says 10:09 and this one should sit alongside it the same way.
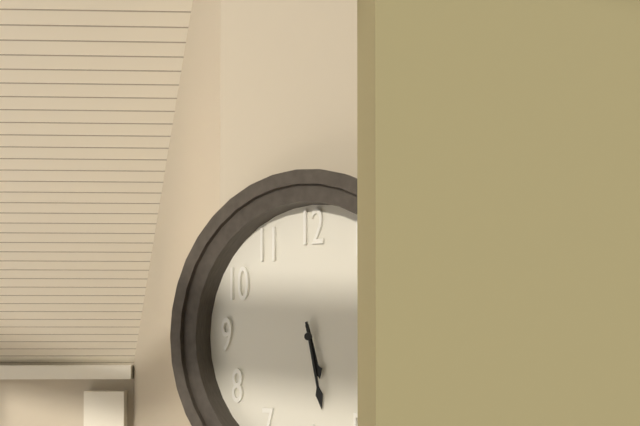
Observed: 5:28
